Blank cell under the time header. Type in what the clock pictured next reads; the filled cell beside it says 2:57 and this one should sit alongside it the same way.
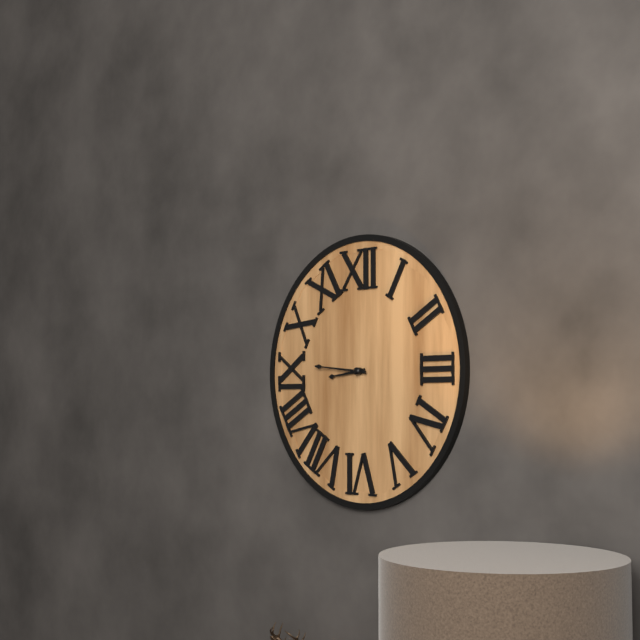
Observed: 8:46
